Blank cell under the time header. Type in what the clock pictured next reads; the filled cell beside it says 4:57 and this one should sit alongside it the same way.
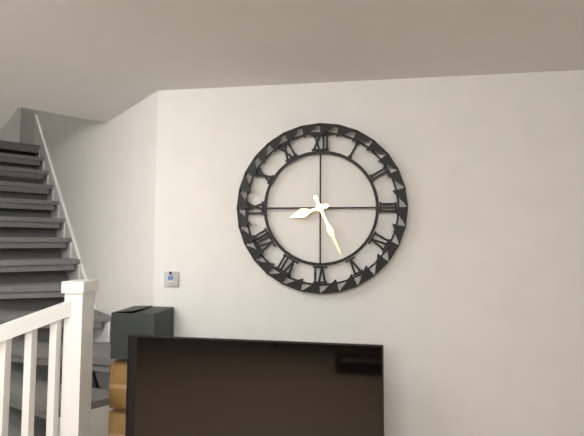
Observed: 8:26
